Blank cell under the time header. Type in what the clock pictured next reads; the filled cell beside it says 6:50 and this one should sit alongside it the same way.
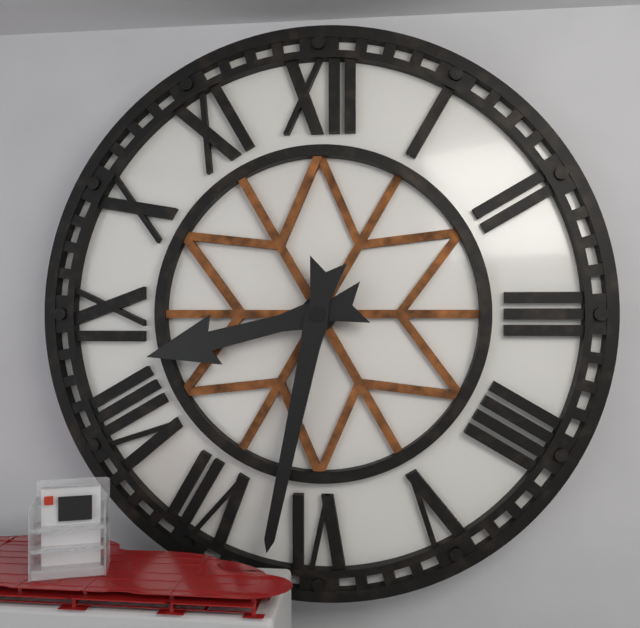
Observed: 8:32
